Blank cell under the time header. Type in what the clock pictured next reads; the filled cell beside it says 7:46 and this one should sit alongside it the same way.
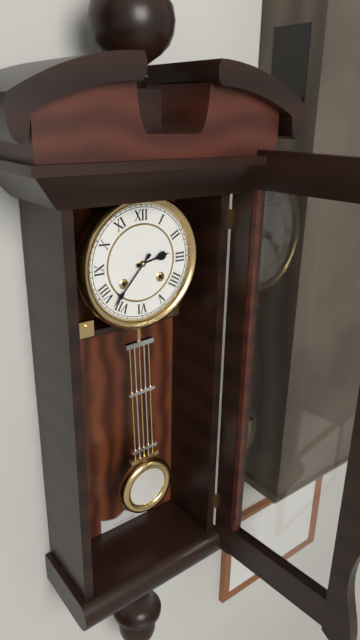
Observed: 2:37
